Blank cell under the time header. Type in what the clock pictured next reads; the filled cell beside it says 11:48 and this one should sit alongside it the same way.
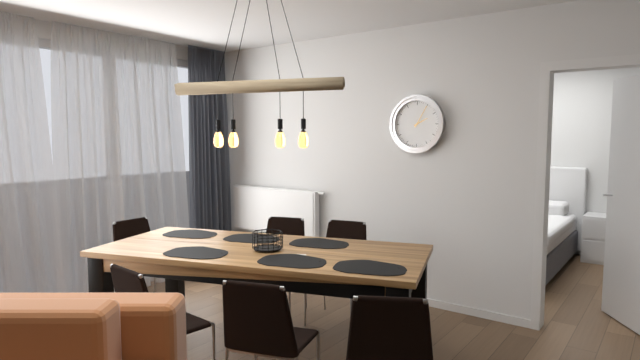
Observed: 2:05
